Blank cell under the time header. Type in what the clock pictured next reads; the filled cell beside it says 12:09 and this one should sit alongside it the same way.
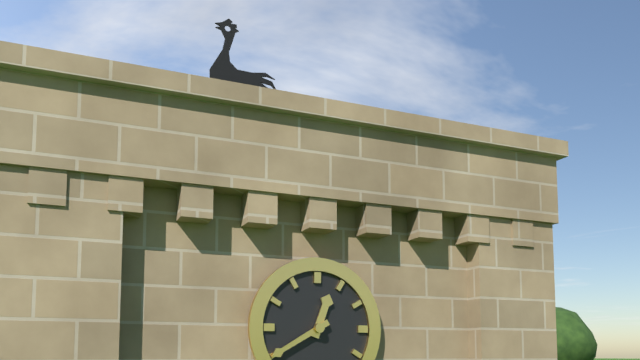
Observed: 12:40
